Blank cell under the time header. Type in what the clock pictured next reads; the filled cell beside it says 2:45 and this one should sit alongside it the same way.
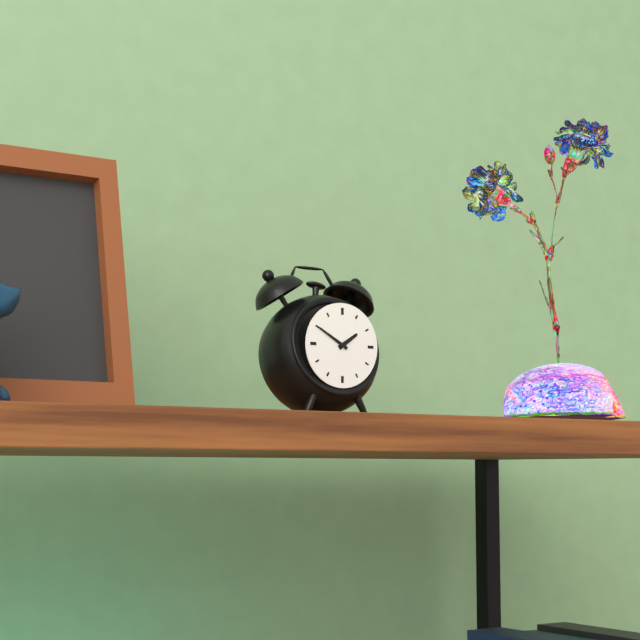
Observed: 1:50
